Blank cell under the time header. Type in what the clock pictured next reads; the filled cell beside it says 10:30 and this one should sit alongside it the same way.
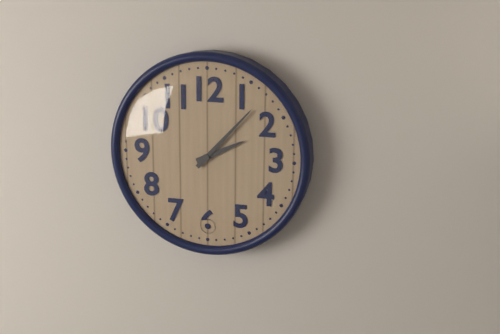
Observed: 2:07
